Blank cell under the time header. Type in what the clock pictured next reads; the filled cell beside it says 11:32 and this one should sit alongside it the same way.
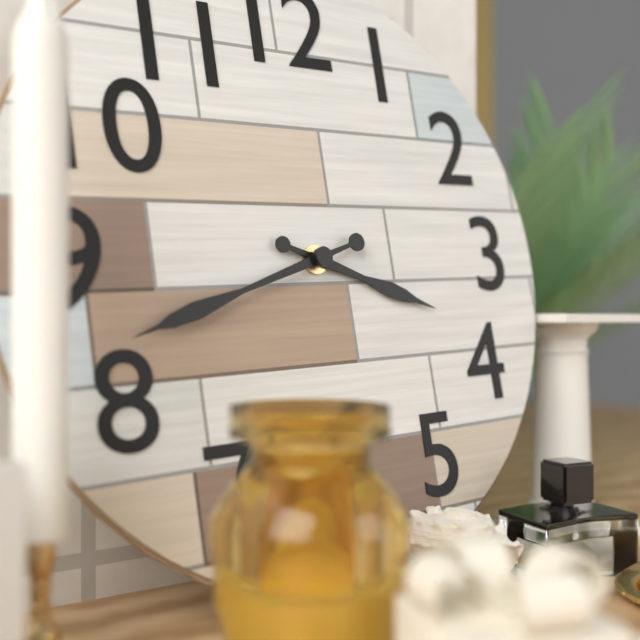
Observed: 3:42
